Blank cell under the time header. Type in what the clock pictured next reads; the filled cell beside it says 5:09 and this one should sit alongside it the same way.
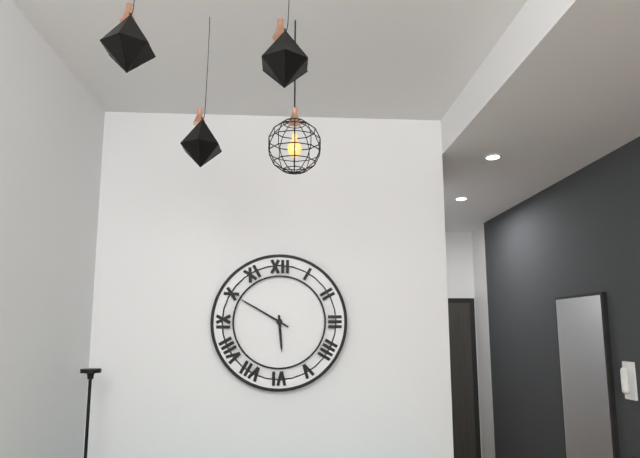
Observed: 5:50
